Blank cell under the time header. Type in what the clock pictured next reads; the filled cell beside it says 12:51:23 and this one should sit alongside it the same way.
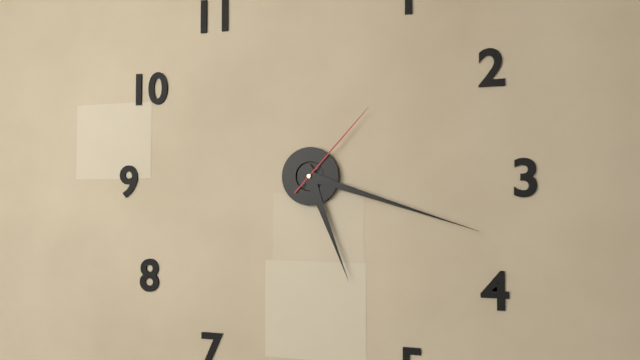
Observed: 5:18:07
